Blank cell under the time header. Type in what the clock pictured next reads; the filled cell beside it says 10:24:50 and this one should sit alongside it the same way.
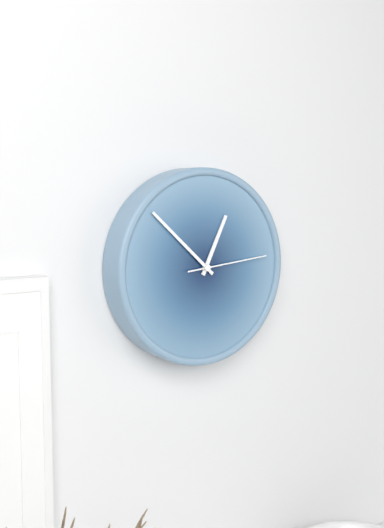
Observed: 12:52:14
